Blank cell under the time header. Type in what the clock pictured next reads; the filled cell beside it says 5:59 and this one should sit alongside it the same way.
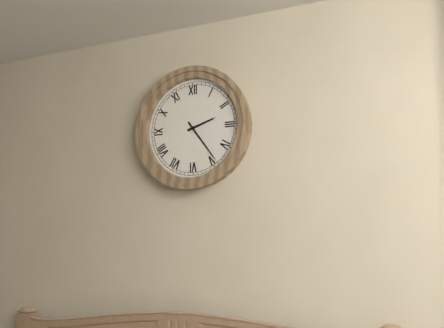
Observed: 2:24
